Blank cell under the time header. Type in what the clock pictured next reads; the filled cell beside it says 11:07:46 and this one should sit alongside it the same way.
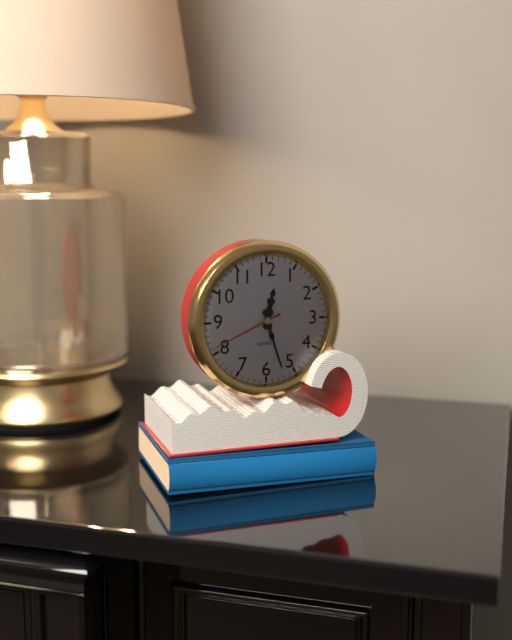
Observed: 12:27:41
